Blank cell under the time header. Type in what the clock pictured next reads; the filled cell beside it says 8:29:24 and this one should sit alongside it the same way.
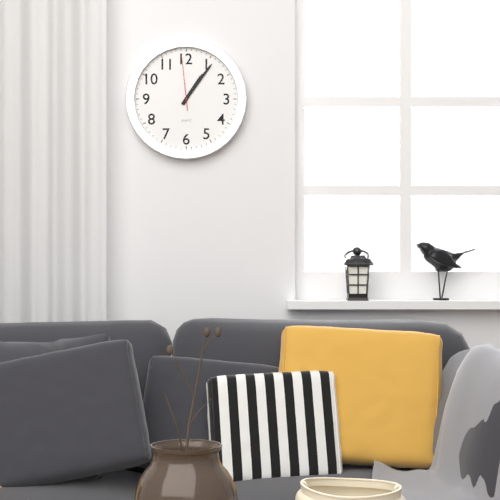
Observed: 1:06:59
